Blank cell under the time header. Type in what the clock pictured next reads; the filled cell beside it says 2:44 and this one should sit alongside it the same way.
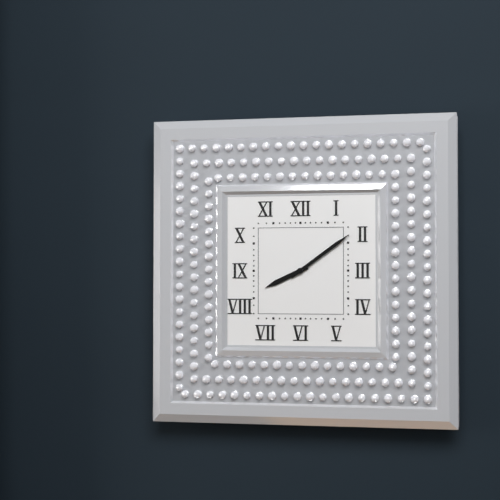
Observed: 8:09
